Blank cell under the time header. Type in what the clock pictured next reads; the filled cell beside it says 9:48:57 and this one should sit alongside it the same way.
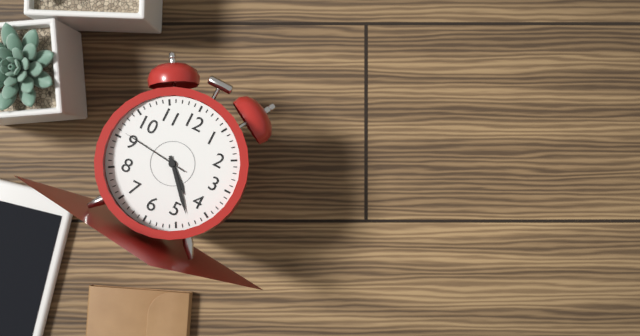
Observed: 4:23:46
